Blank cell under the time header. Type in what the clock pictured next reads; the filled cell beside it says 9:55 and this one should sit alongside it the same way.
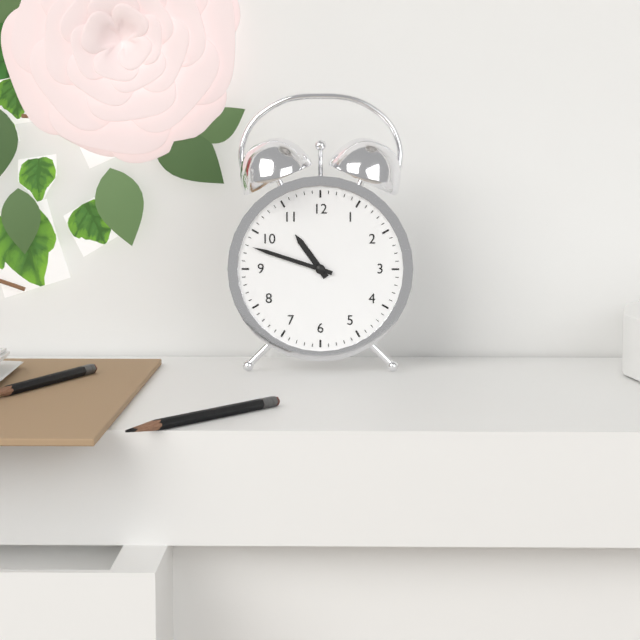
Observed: 10:48
